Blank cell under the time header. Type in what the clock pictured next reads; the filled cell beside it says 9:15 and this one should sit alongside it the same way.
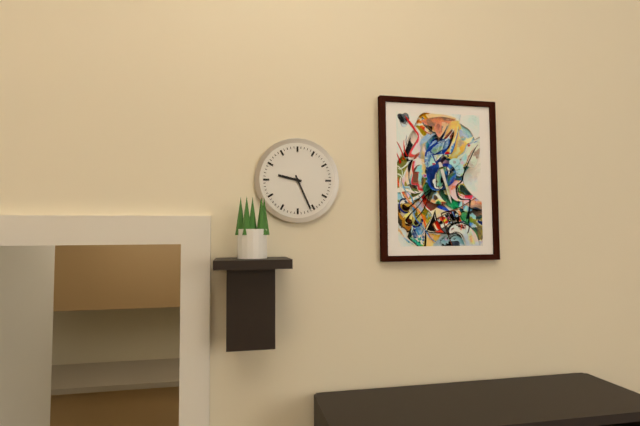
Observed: 9:26
